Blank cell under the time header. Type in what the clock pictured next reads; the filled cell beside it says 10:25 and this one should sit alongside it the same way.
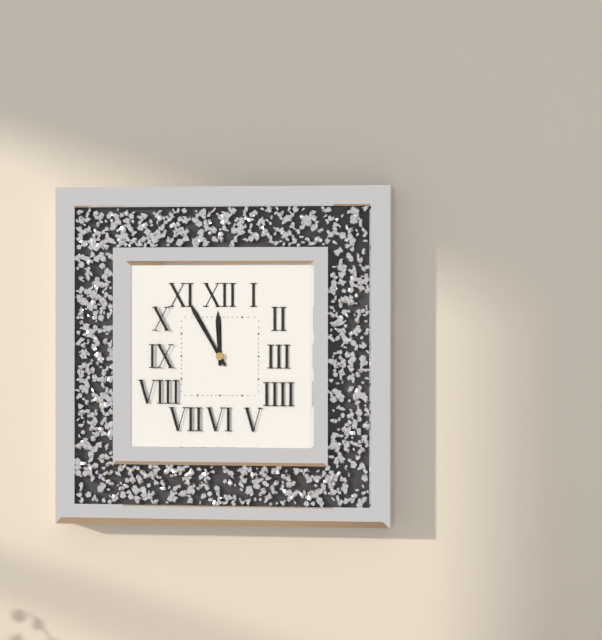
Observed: 11:55
